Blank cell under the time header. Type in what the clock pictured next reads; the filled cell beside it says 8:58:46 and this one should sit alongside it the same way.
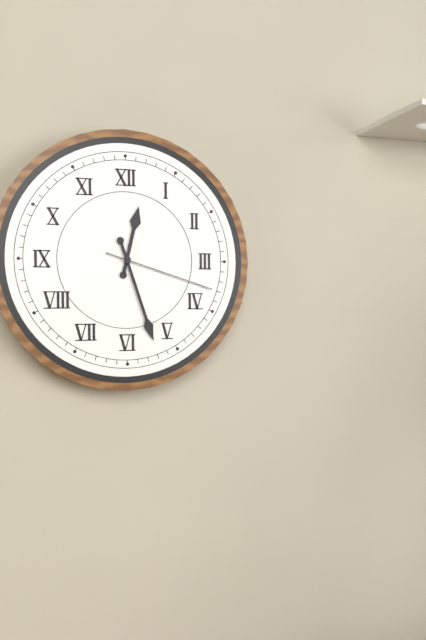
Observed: 12:27:18
